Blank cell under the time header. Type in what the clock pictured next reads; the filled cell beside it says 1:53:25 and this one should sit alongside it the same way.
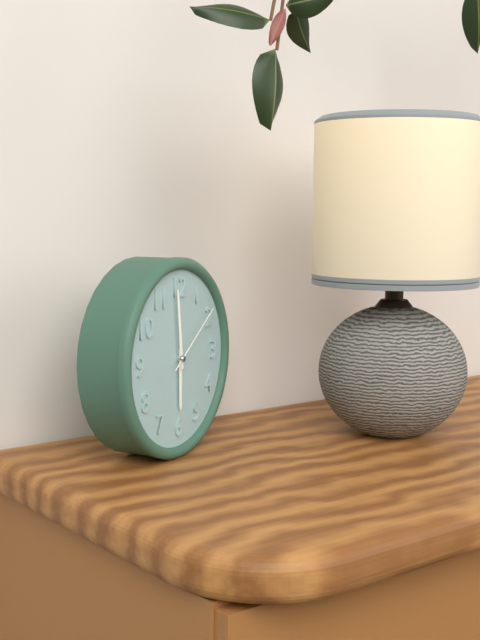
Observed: 5:59:09
